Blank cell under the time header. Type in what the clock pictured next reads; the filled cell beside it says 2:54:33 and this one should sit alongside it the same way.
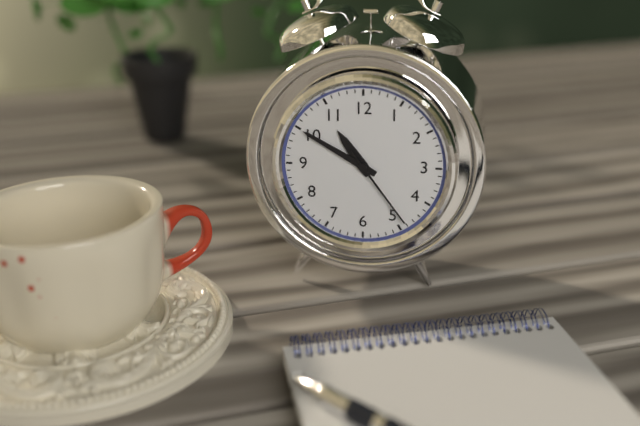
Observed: 10:50:24
